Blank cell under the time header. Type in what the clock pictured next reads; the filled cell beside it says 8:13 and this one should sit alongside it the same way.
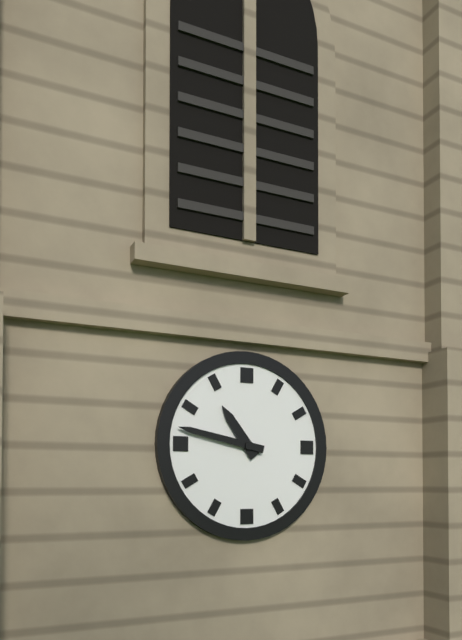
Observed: 10:47
